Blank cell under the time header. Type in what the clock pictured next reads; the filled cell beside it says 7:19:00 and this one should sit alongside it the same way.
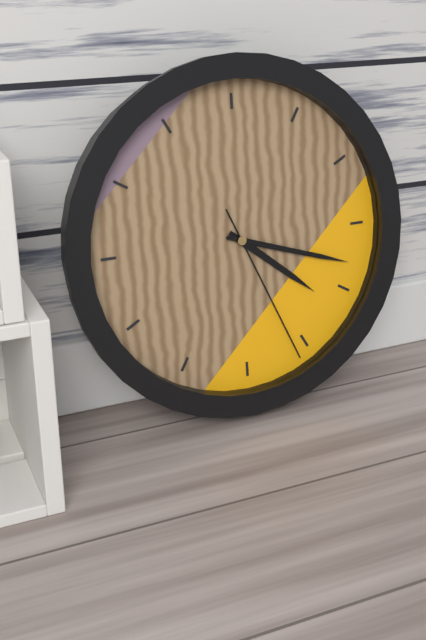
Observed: 4:18:26
